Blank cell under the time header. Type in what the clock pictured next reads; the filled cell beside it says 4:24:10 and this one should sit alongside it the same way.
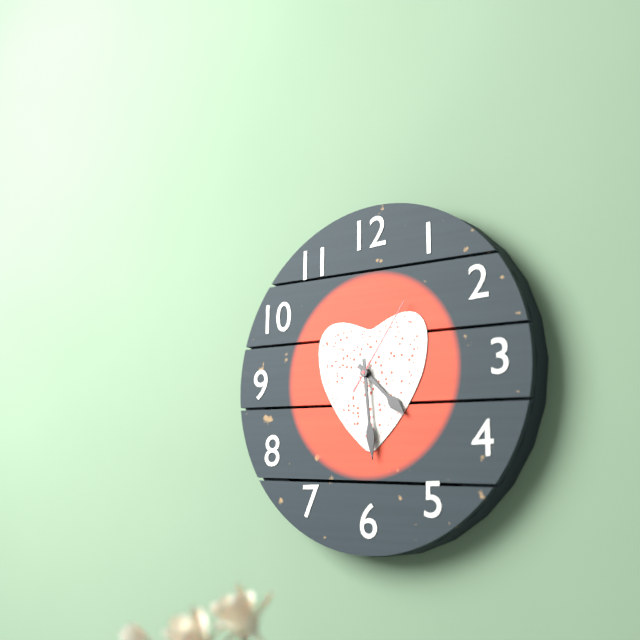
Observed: 4:29:06
